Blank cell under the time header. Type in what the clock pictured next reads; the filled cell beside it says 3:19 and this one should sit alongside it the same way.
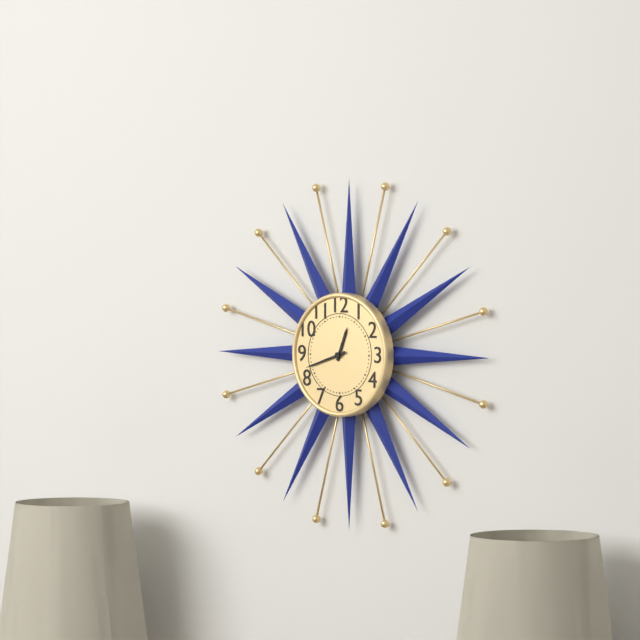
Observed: 12:42
